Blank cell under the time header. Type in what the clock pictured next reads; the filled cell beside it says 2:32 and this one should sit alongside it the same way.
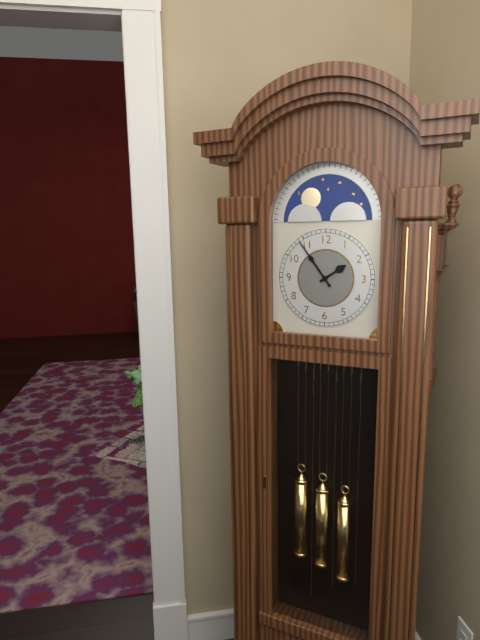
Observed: 1:54
